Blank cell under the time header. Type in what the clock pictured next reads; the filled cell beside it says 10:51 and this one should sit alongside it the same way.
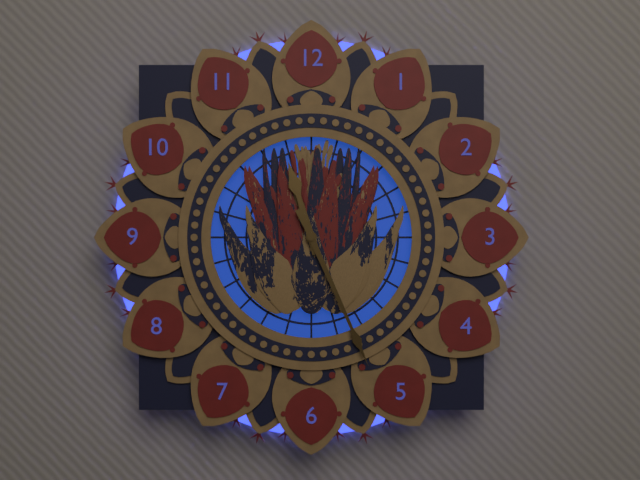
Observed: 11:26
